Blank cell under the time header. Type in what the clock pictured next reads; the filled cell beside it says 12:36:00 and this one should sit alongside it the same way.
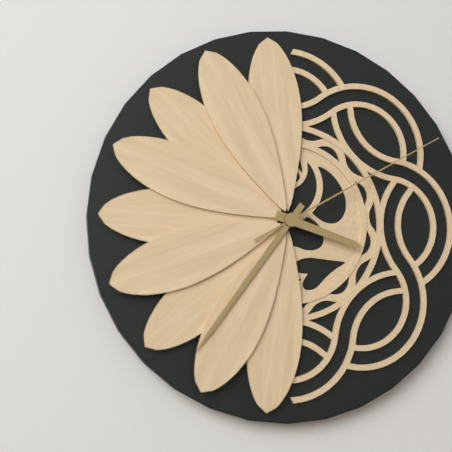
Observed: 3:36:10
